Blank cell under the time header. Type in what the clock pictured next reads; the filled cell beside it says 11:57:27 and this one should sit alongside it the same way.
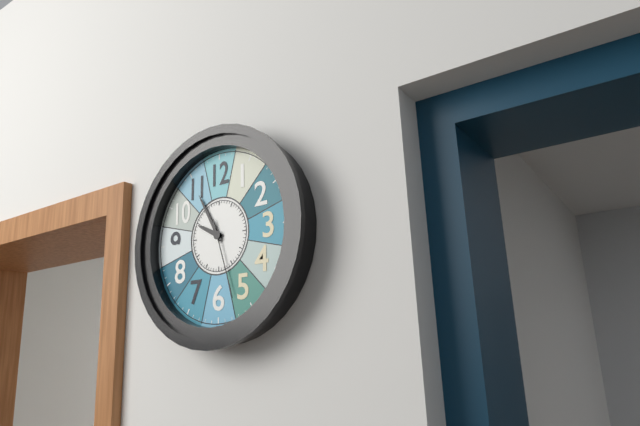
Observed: 9:55:27
